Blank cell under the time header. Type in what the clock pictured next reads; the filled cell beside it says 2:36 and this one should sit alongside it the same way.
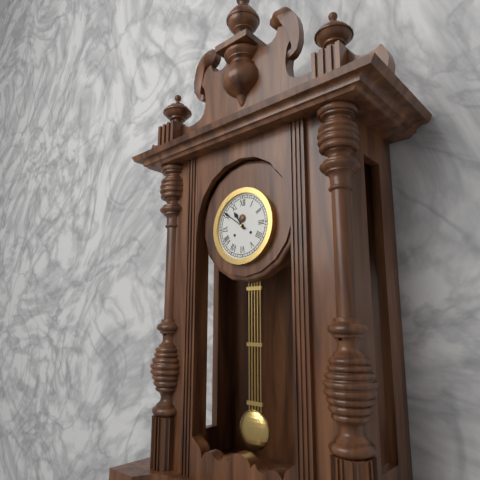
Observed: 10:51
